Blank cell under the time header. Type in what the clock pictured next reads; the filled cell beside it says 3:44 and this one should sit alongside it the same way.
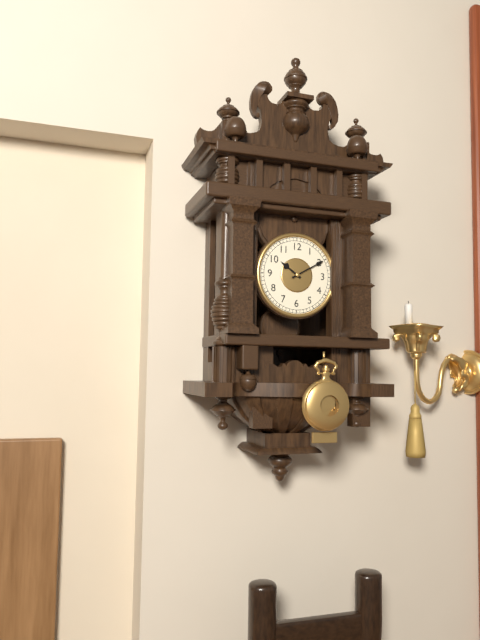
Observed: 10:10
